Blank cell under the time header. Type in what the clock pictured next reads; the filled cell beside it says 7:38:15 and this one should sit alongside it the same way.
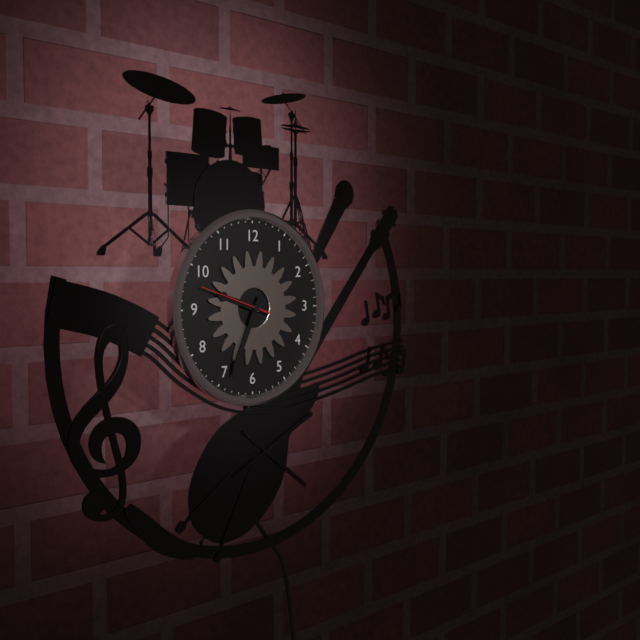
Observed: 9:34:48
